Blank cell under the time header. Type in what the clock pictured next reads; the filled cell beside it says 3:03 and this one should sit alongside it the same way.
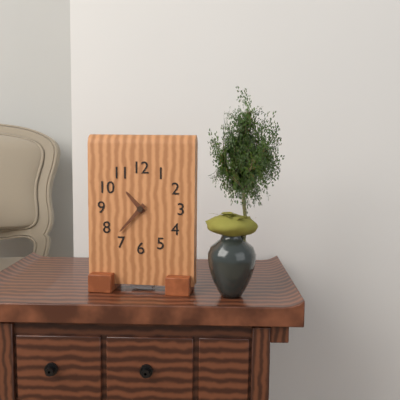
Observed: 10:37
